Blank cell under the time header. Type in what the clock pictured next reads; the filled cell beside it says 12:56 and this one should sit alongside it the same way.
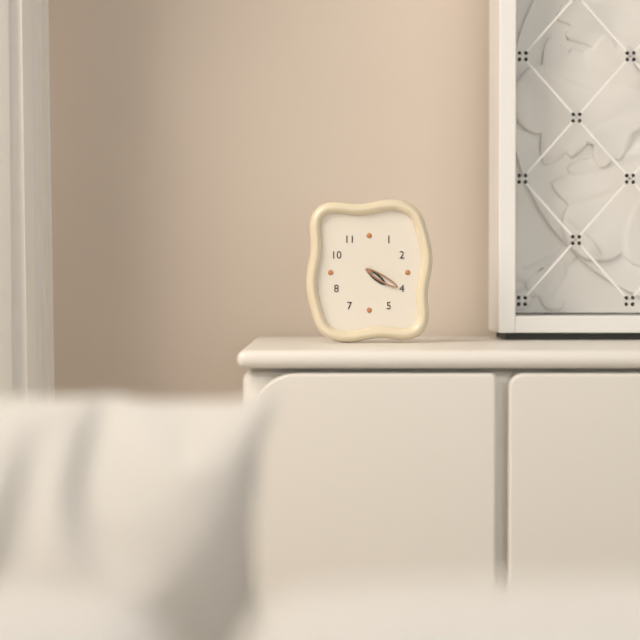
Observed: 4:20
